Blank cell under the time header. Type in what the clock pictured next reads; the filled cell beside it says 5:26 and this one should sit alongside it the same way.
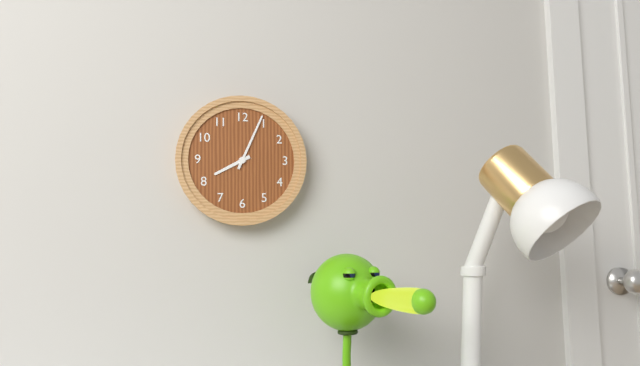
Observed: 8:04
